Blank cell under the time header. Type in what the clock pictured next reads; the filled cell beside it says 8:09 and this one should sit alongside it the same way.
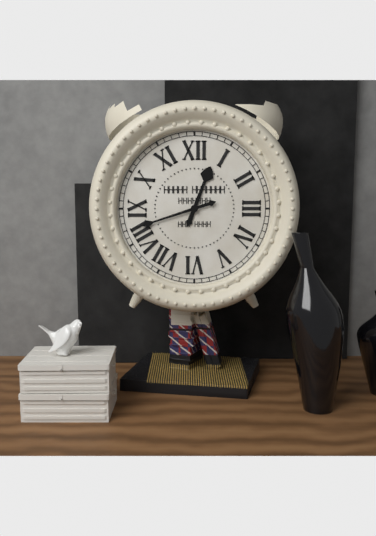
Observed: 12:42
